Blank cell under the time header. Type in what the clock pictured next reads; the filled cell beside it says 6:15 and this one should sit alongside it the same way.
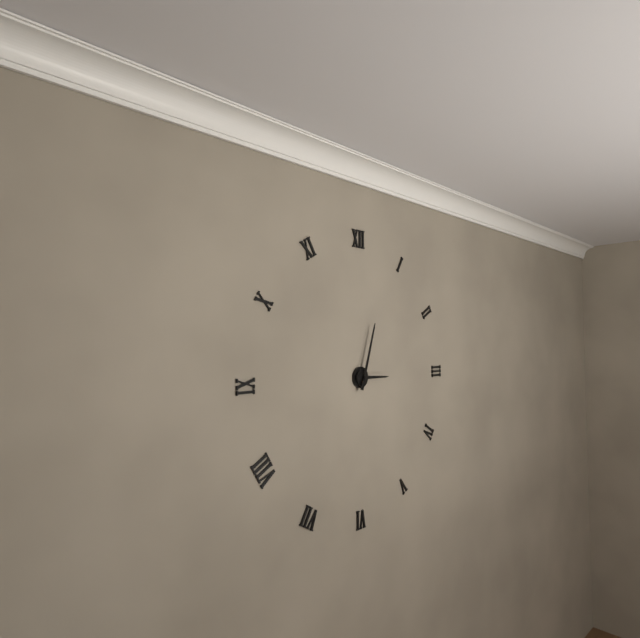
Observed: 3:03
